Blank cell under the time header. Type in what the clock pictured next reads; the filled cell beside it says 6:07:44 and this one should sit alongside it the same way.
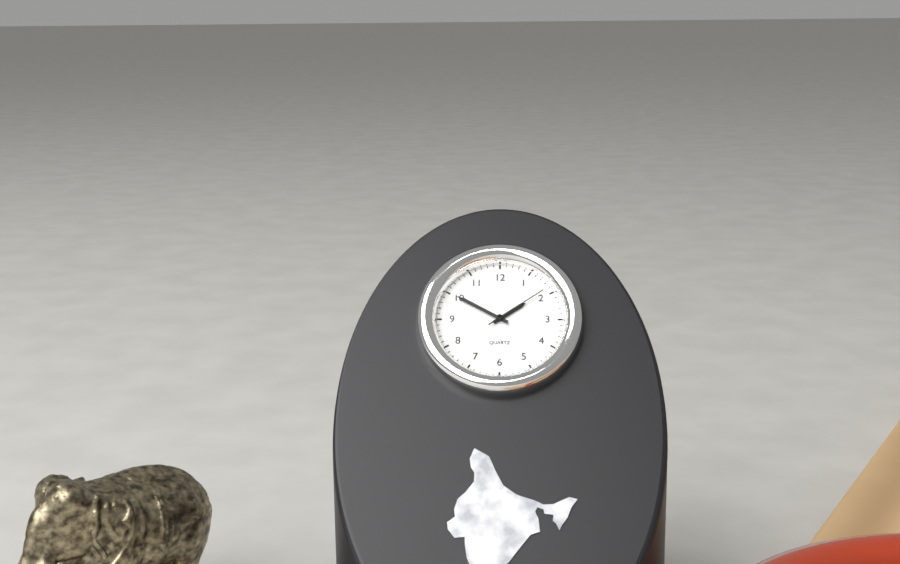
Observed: 1:50:09
